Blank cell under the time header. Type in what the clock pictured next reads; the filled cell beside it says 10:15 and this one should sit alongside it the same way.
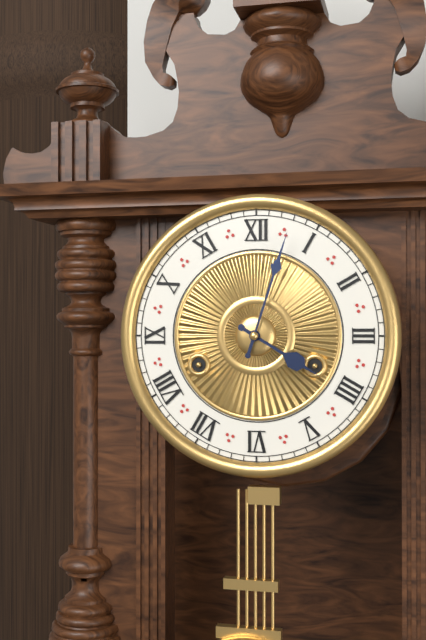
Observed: 4:03
